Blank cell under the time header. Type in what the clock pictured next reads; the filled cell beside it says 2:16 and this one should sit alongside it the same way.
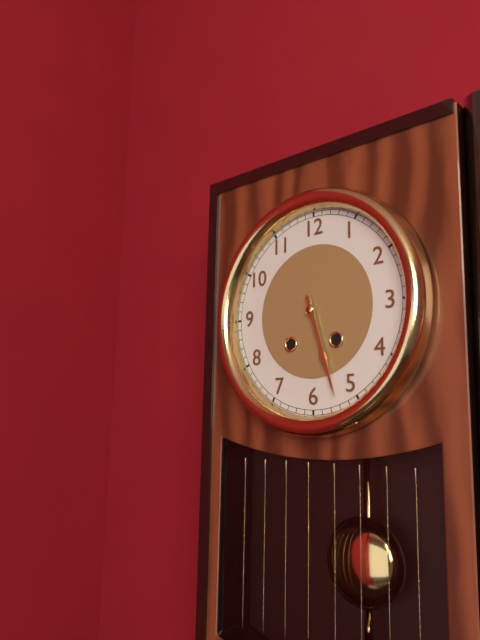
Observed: 5:27
